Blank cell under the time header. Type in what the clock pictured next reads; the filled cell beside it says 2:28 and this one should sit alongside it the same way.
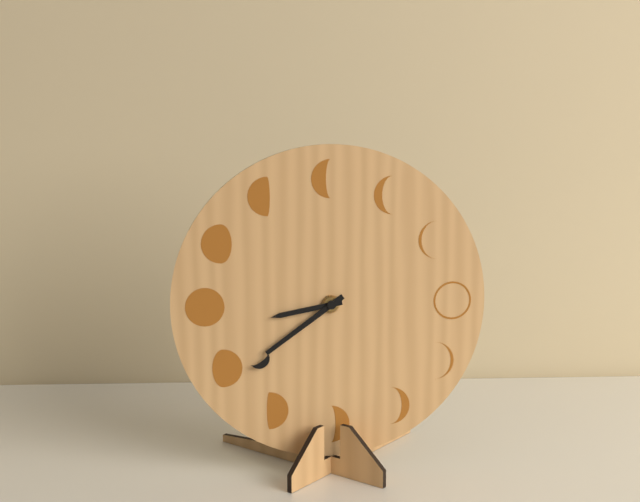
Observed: 8:39
